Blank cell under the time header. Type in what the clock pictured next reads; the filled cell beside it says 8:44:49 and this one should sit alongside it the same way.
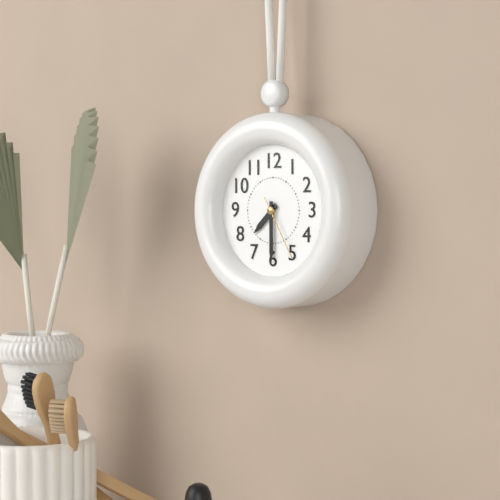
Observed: 7:30:25
